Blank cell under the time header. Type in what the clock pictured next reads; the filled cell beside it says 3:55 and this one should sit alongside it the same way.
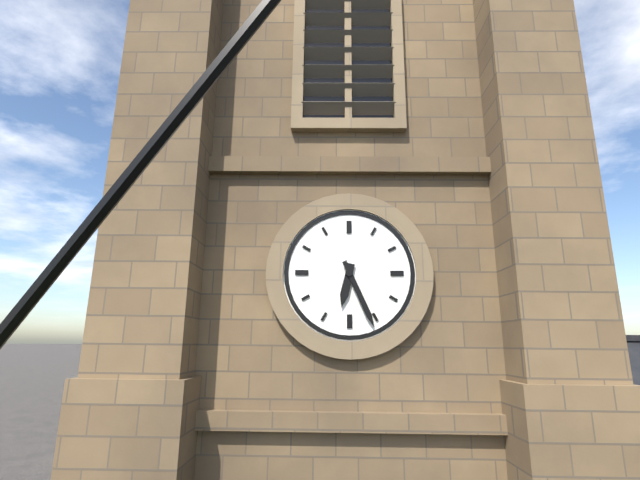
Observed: 6:26
